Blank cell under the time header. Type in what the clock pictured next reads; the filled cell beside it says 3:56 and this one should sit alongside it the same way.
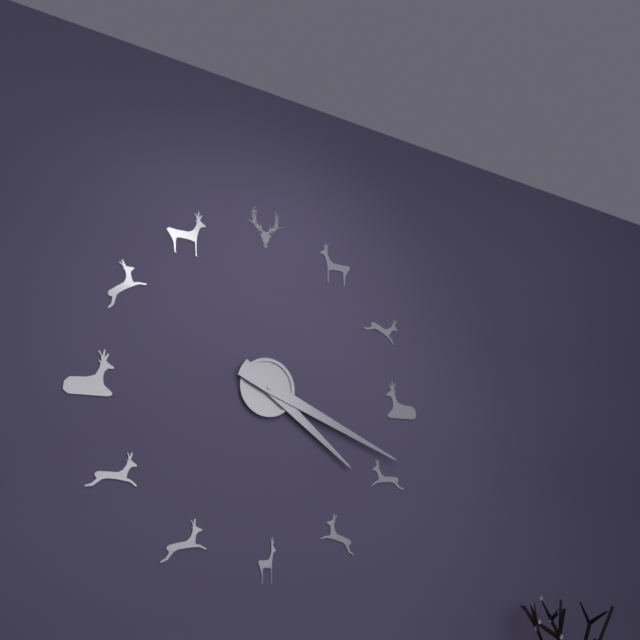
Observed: 4:19
